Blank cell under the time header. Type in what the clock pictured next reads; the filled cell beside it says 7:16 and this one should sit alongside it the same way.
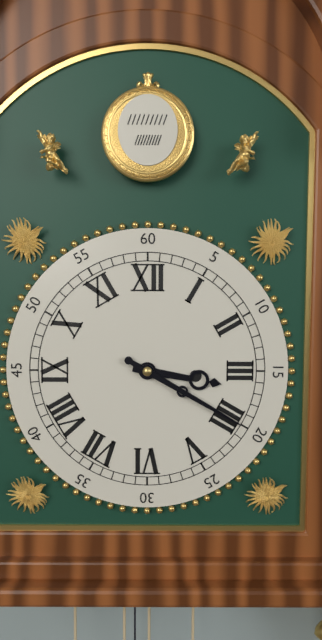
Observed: 3:20
